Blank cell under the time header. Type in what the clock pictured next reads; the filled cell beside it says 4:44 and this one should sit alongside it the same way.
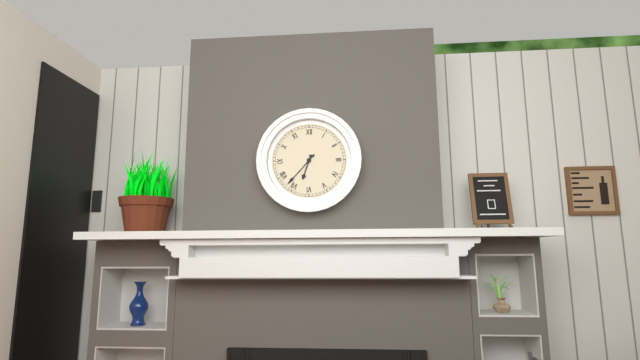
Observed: 6:37
